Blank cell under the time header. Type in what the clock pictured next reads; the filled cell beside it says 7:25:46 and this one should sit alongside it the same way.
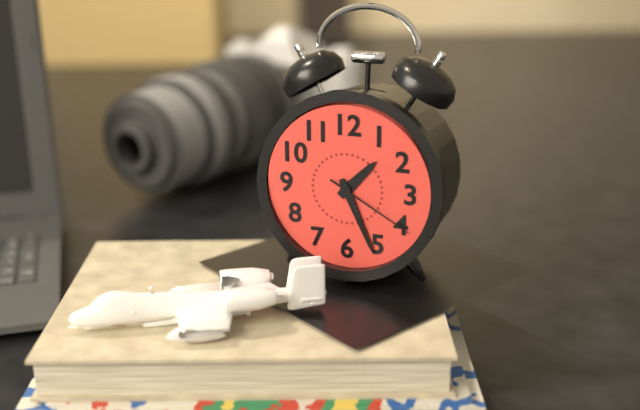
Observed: 1:26:20
